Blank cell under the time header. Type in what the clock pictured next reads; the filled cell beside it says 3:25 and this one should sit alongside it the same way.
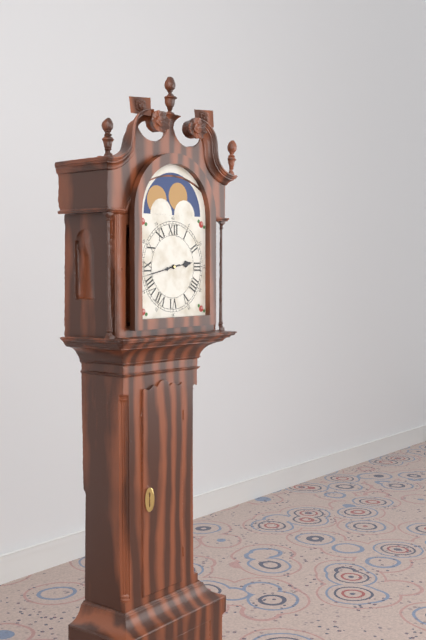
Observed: 2:43
